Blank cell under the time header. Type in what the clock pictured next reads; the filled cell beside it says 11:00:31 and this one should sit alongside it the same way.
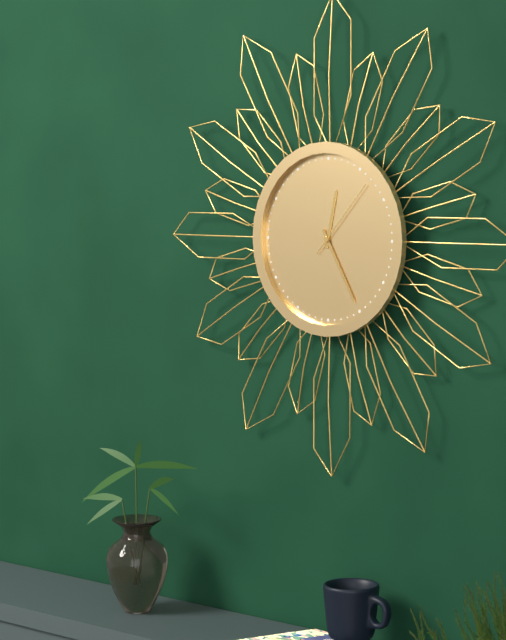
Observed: 12:25:07
